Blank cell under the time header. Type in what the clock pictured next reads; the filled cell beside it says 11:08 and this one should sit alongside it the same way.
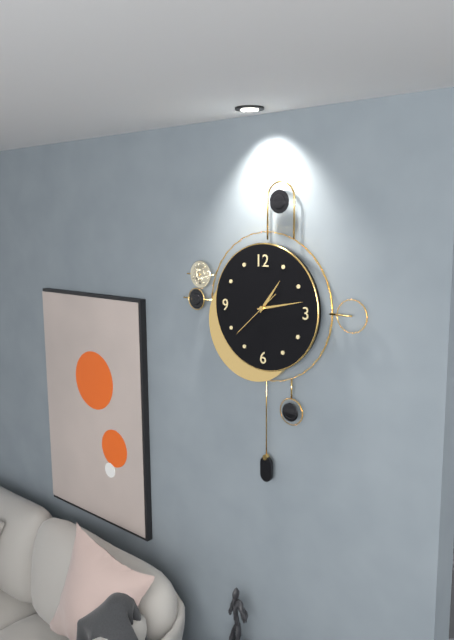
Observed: 1:13
